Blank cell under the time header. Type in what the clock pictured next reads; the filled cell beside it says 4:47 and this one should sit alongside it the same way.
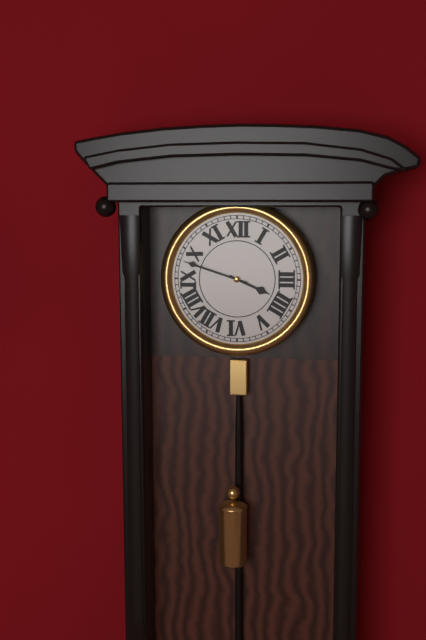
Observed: 3:48
